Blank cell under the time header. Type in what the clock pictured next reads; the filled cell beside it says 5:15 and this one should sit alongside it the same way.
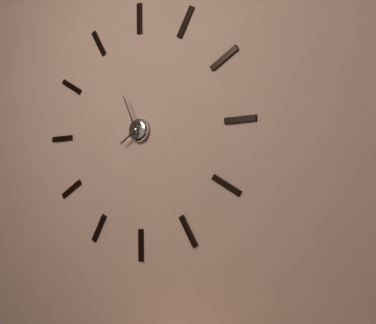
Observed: 7:56
